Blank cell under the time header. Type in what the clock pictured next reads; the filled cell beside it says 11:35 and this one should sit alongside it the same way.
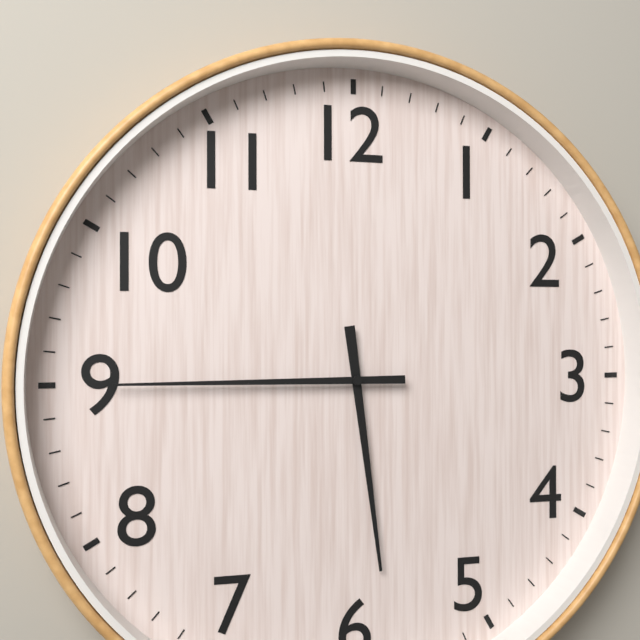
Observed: 5:45
